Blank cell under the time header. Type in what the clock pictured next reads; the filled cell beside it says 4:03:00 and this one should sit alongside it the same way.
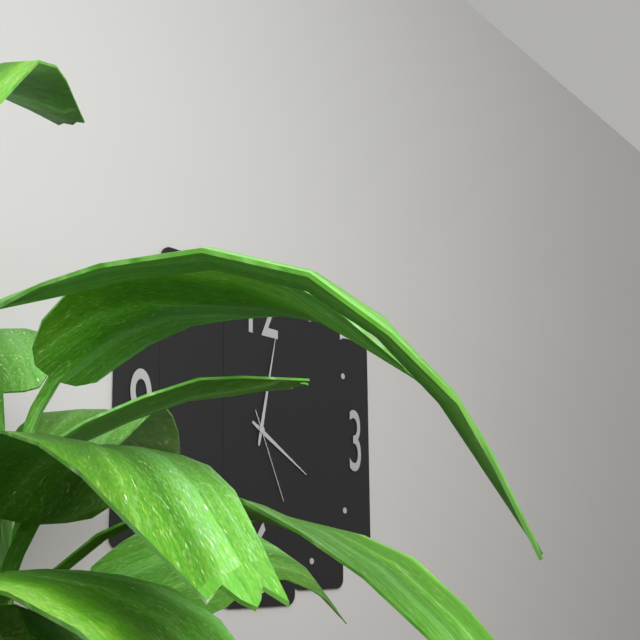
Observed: 4:02:26
